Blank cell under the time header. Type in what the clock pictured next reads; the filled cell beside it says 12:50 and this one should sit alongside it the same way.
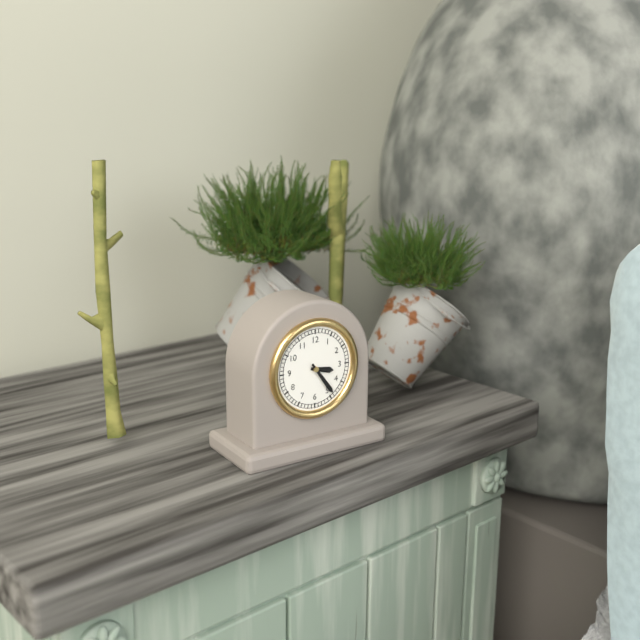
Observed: 3:24
